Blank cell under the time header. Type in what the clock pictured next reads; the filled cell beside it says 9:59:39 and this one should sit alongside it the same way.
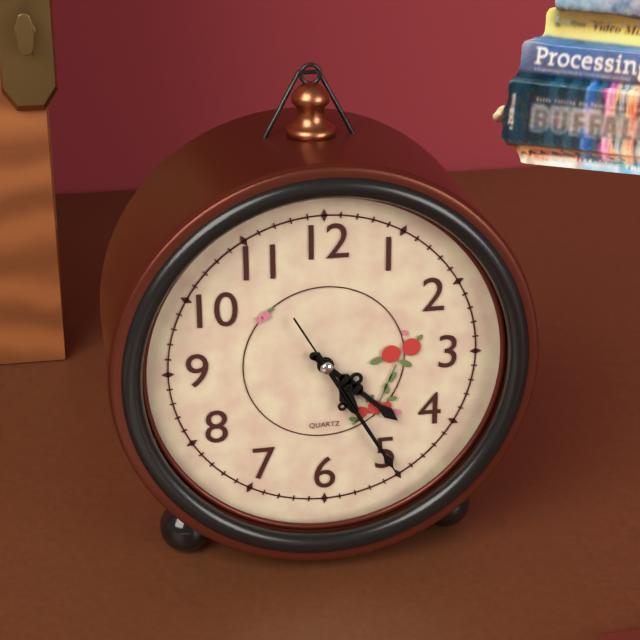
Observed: 4:25:25
